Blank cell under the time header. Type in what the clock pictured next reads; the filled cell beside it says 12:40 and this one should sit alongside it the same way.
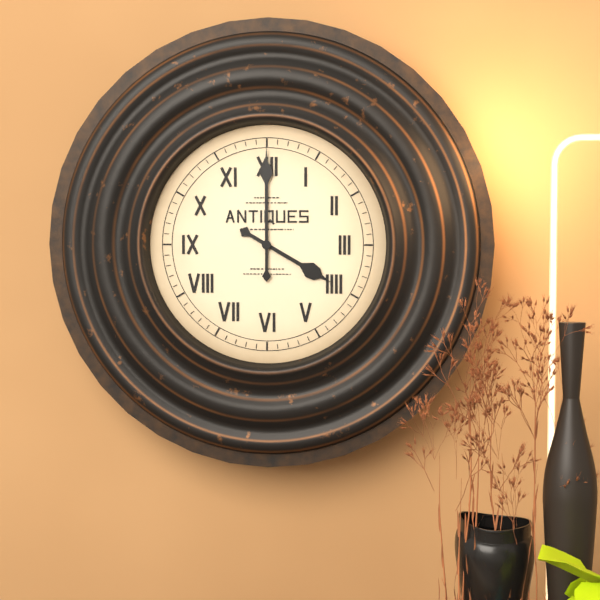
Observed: 4:00
